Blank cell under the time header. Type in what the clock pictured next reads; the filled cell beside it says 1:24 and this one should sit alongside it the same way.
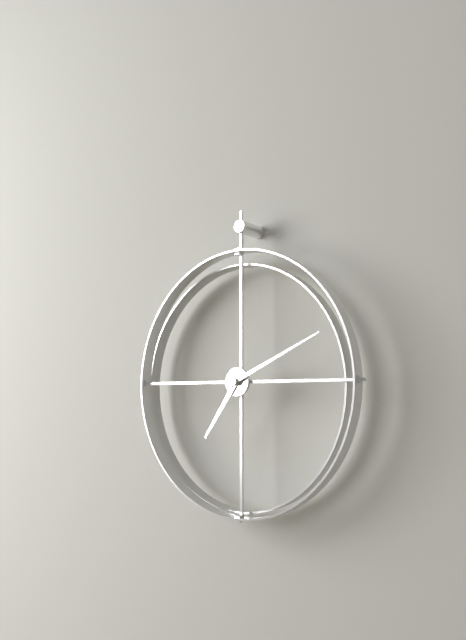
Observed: 7:11
